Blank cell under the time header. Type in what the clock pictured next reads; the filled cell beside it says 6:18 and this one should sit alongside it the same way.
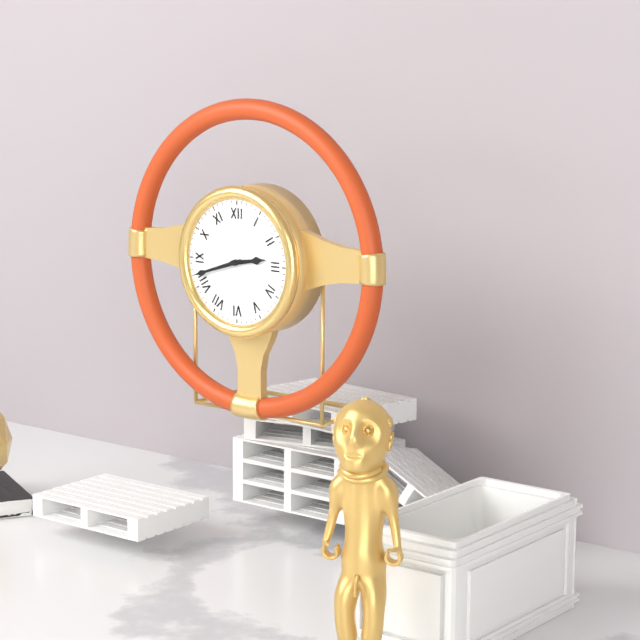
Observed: 2:42
